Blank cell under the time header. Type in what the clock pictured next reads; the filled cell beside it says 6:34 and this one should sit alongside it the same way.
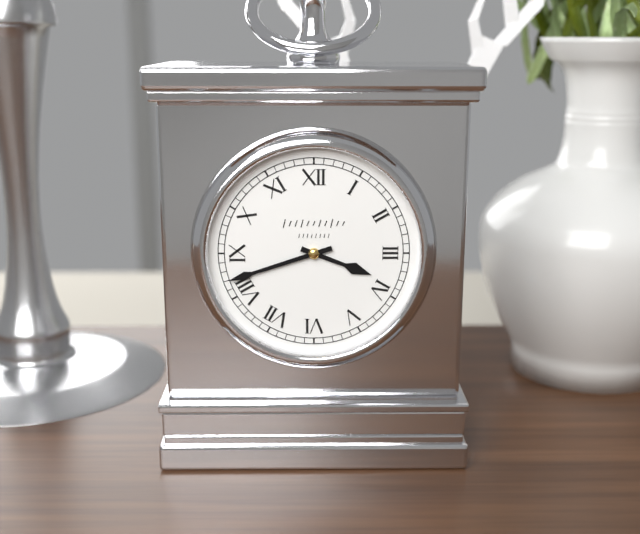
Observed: 3:42
